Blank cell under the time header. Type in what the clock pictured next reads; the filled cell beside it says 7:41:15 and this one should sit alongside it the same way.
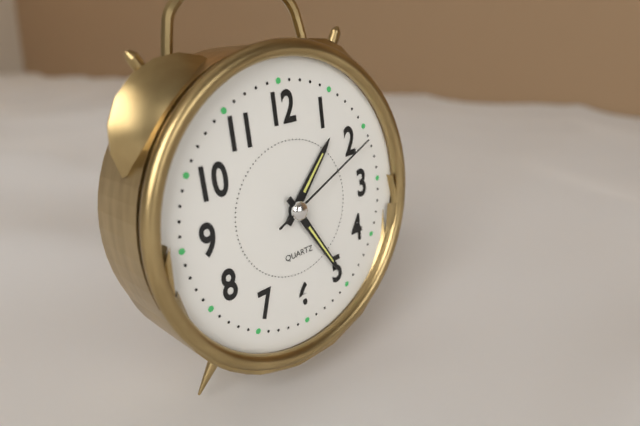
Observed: 1:25:11
